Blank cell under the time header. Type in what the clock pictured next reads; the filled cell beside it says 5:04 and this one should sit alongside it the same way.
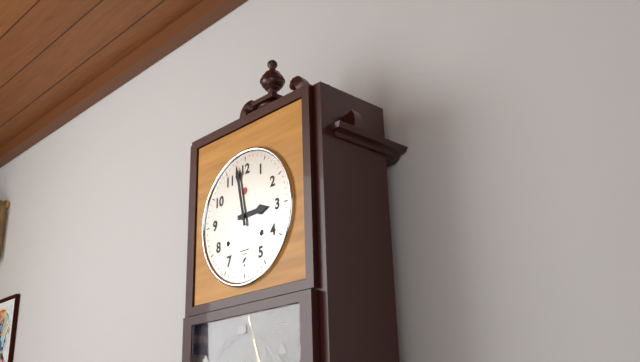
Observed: 2:58
